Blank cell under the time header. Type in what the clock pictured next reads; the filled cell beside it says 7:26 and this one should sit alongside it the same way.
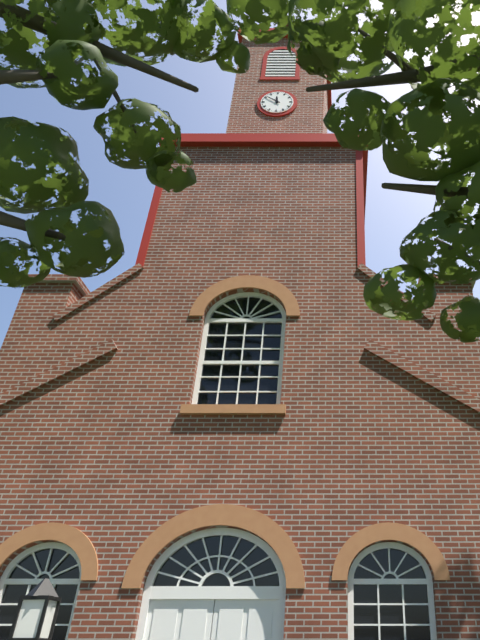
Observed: 11:51
